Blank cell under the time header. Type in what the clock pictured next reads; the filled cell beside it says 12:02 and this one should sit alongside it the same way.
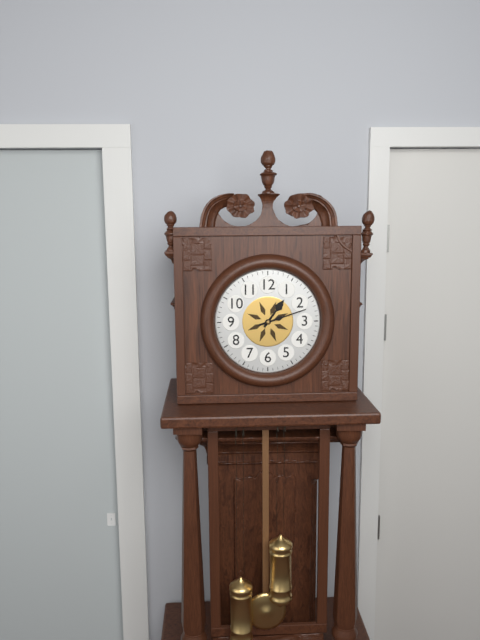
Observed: 1:12
